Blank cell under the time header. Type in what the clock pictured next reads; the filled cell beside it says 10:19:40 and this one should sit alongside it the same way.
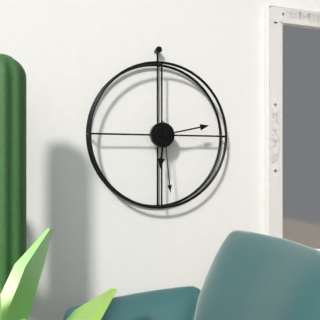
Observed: 6:13:29
